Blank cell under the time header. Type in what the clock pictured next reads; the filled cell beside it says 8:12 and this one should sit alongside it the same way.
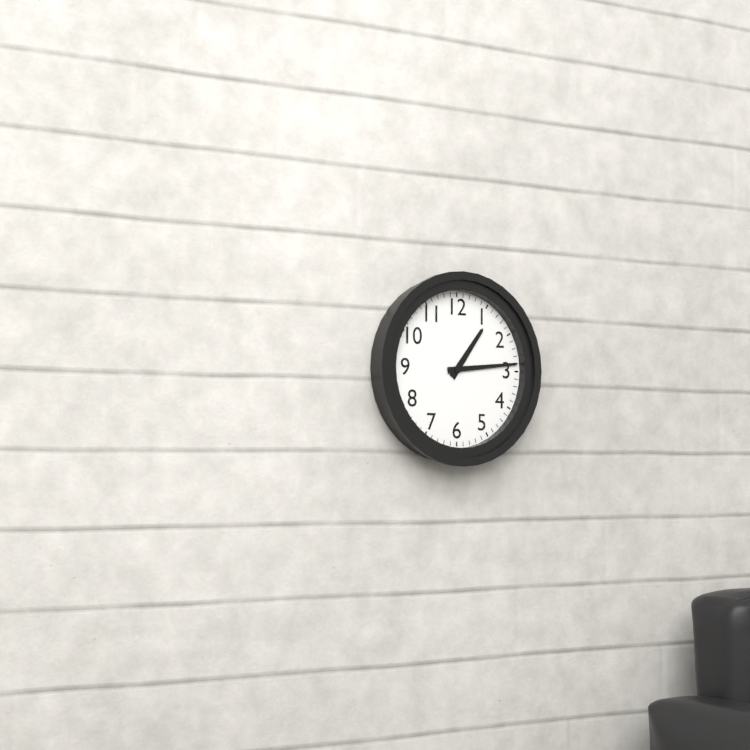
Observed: 1:14
